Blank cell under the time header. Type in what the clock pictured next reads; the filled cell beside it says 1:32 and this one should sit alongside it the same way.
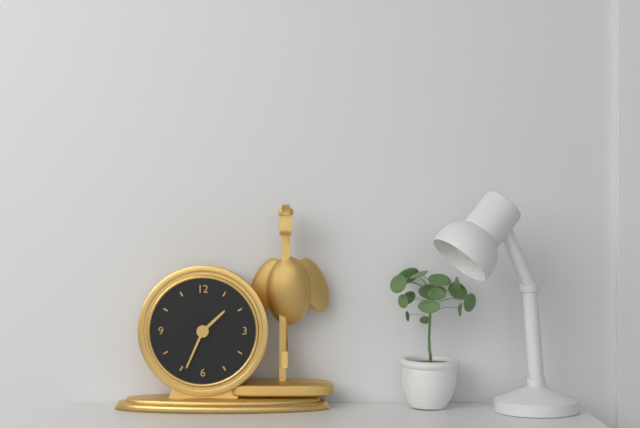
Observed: 1:34
